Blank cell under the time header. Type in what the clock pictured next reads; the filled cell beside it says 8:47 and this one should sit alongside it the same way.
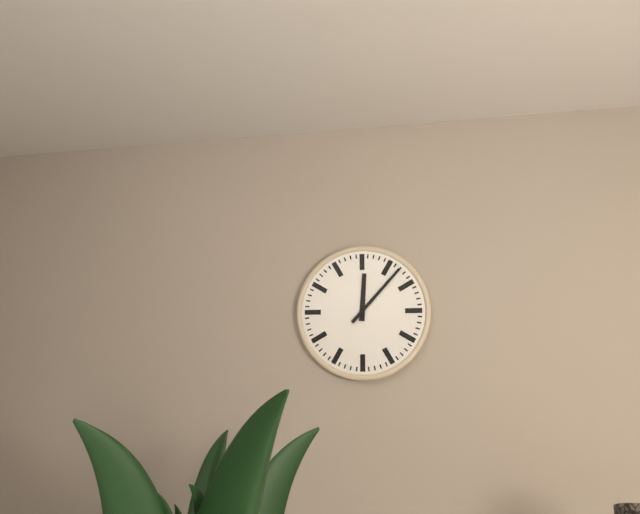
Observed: 12:07
